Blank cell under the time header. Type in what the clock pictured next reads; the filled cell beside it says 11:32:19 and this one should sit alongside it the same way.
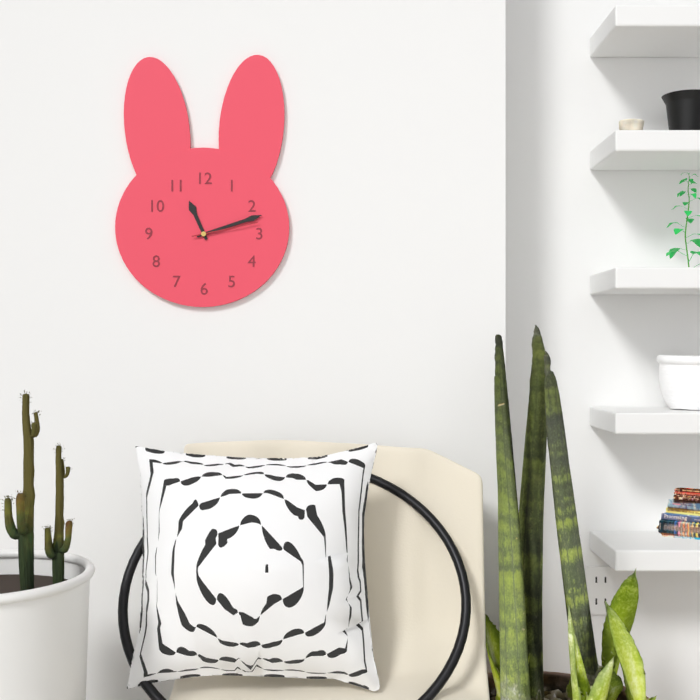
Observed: 11:12:13
